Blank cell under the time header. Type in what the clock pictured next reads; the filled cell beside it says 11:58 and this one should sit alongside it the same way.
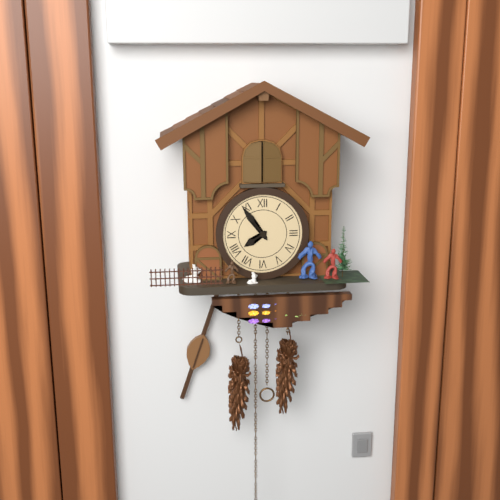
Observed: 7:54
